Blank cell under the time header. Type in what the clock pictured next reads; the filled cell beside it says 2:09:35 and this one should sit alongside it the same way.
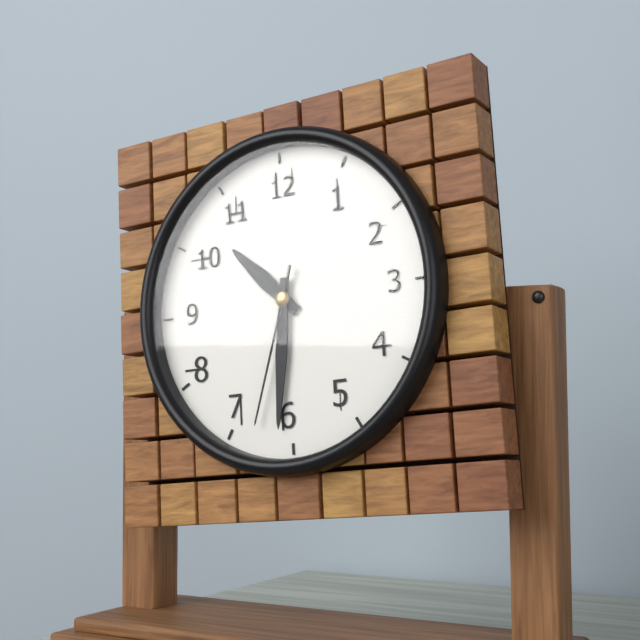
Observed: 10:31:33
